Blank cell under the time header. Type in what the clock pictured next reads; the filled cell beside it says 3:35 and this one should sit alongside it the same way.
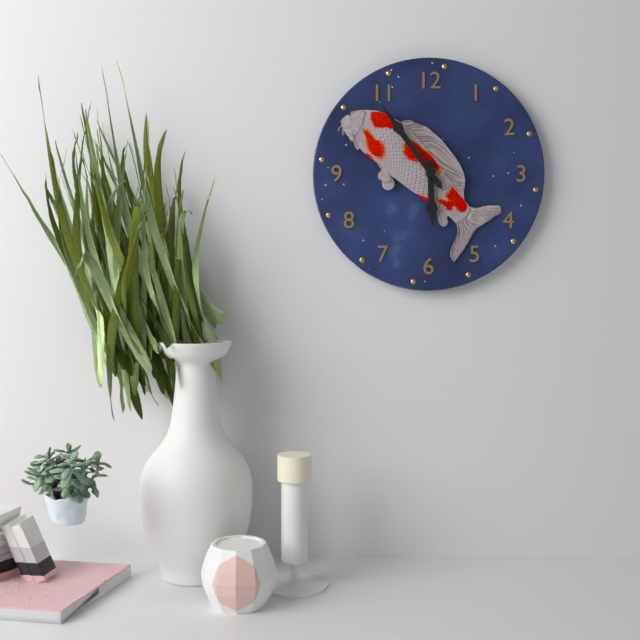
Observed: 5:54
